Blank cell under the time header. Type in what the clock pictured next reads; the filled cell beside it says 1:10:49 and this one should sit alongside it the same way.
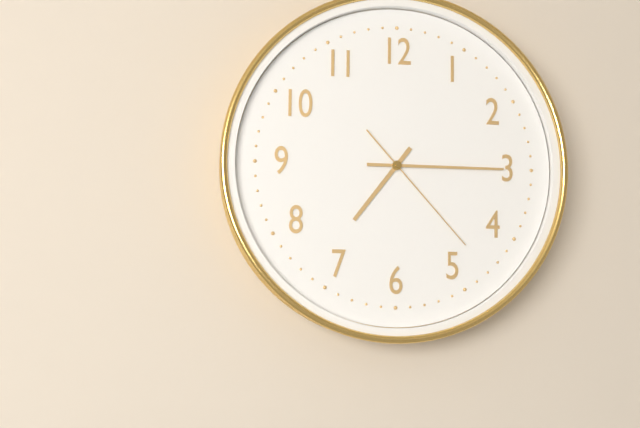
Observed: 7:15:23
